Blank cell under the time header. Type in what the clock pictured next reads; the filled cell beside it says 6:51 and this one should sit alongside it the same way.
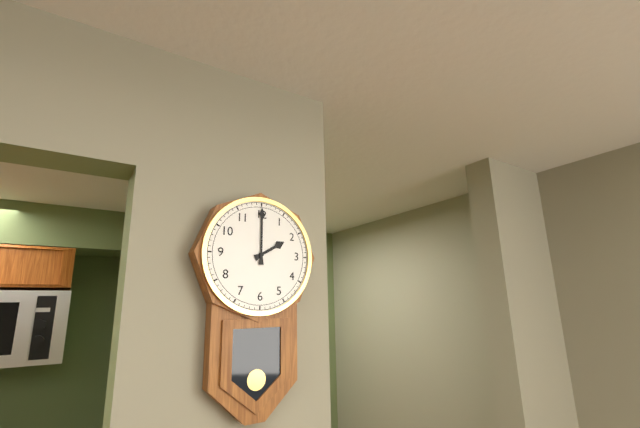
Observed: 2:00
